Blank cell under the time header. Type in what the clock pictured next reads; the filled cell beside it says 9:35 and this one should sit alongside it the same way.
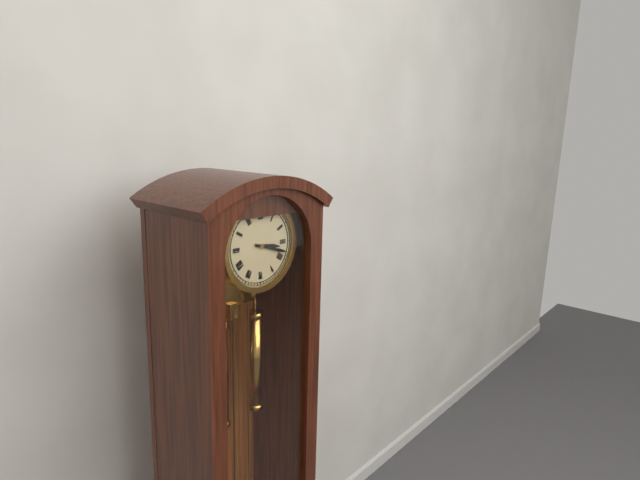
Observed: 3:18
